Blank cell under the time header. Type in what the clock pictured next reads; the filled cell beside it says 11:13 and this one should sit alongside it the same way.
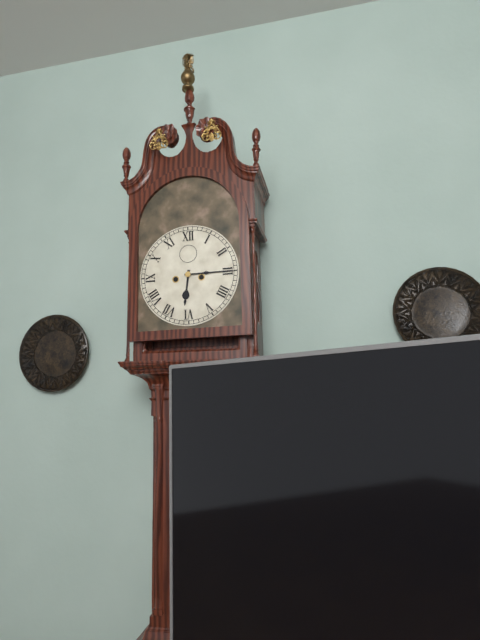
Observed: 6:15
